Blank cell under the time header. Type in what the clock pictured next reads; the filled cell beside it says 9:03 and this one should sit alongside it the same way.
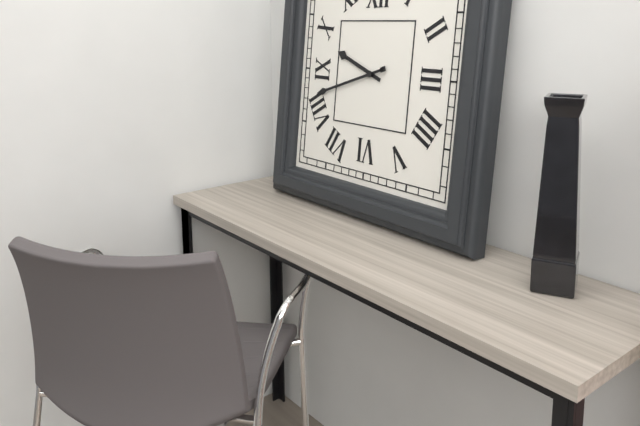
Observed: 9:42
